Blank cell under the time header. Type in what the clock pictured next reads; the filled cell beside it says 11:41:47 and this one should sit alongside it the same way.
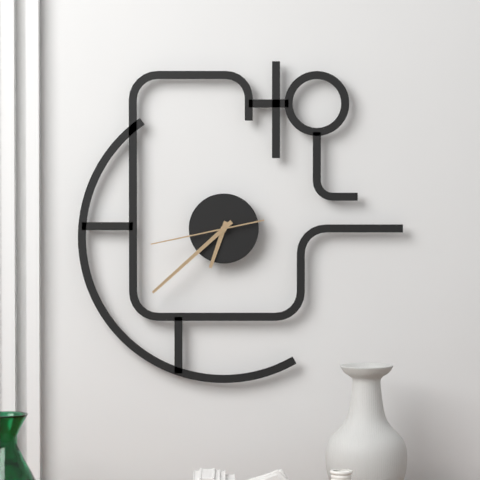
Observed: 6:38:43
